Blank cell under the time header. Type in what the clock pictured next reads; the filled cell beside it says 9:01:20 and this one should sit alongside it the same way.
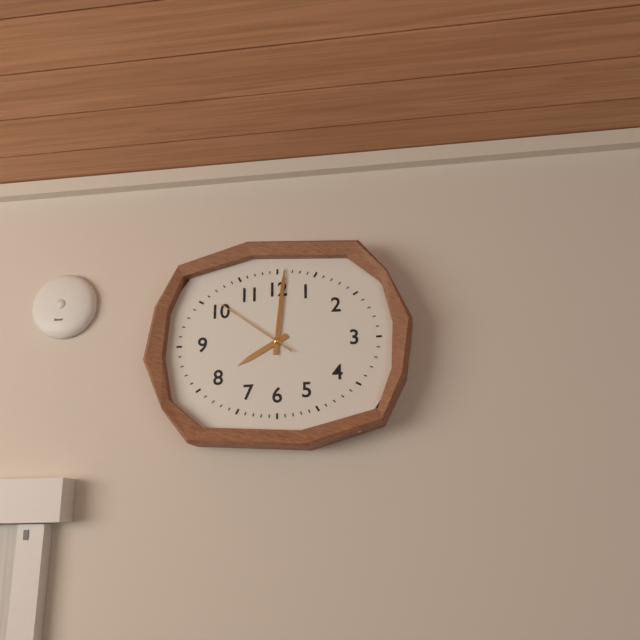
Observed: 8:01:51
